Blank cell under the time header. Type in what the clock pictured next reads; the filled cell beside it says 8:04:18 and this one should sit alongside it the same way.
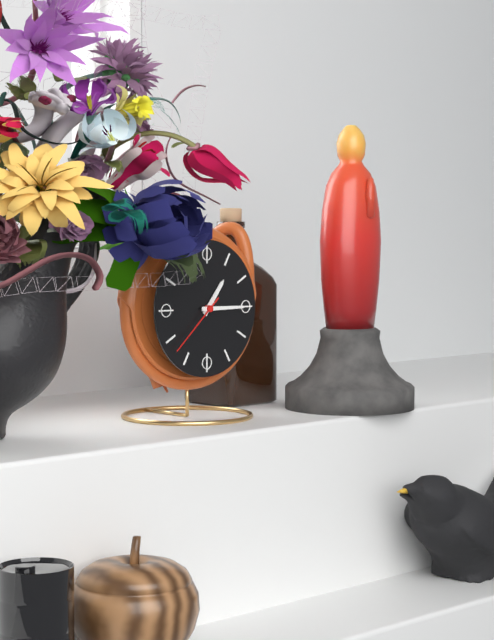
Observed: 1:15:38
